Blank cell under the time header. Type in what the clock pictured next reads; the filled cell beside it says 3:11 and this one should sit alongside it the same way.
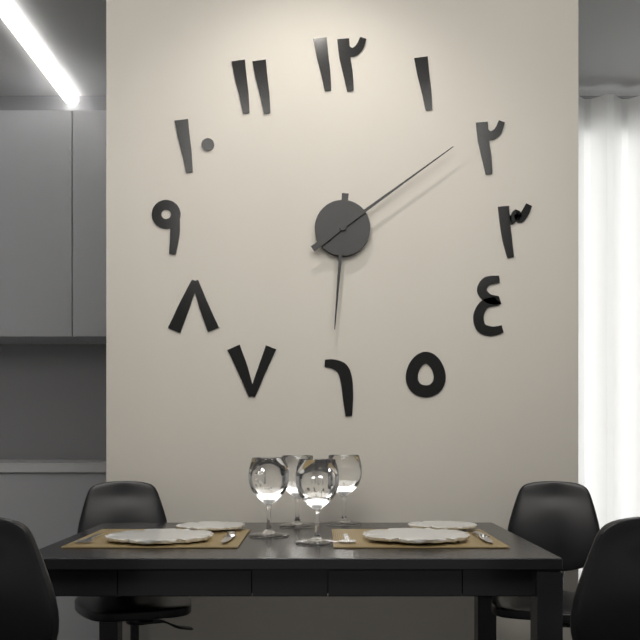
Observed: 6:09
